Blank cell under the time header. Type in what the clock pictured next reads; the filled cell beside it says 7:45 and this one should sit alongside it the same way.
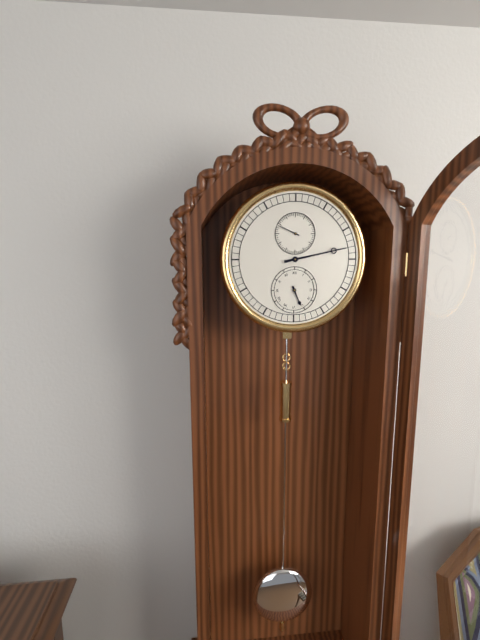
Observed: 5:13
